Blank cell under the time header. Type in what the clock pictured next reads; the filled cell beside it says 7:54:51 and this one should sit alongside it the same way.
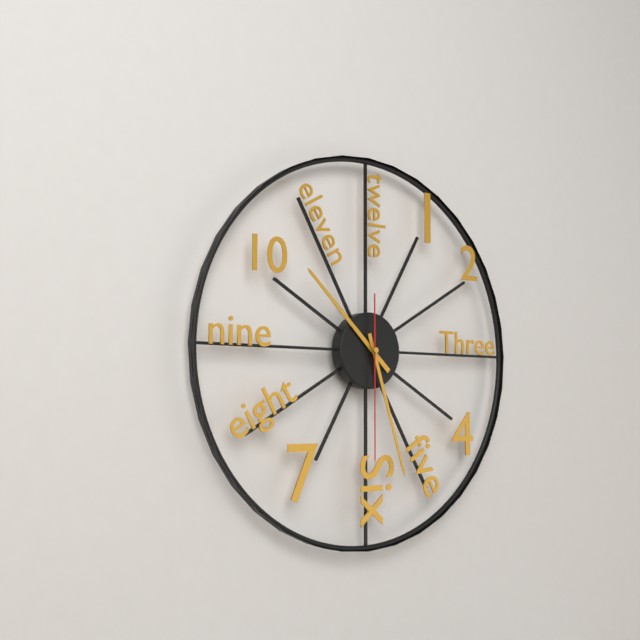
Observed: 10:27:30
